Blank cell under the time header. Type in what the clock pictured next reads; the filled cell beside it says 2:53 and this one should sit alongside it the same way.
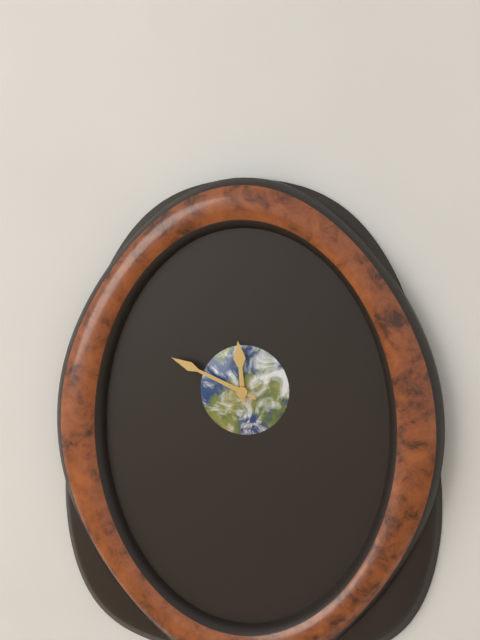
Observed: 11:49
